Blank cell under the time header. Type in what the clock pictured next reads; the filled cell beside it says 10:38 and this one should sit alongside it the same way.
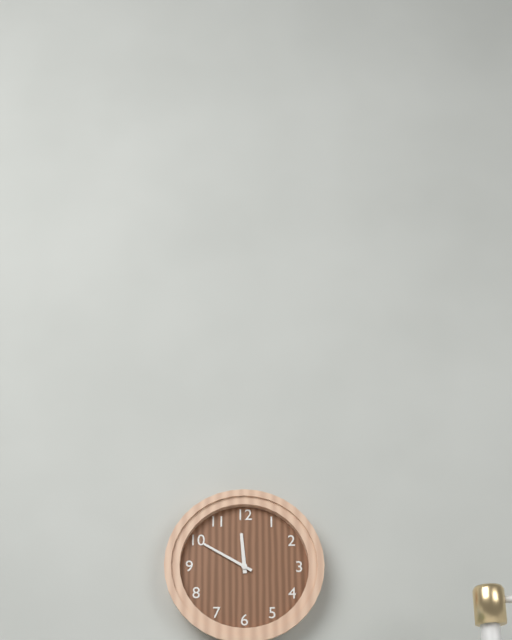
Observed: 11:50
